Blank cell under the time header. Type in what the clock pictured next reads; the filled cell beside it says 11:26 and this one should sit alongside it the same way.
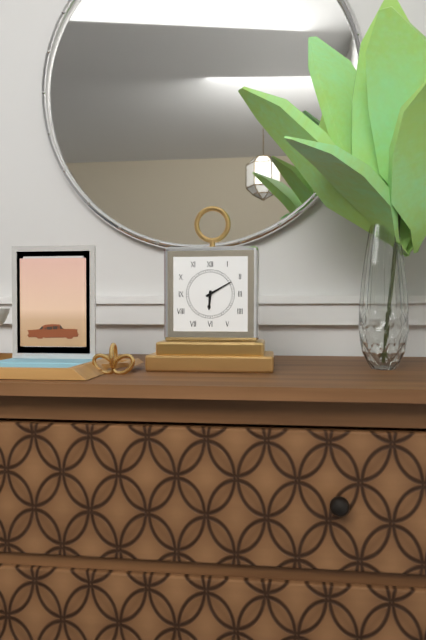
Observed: 6:10
